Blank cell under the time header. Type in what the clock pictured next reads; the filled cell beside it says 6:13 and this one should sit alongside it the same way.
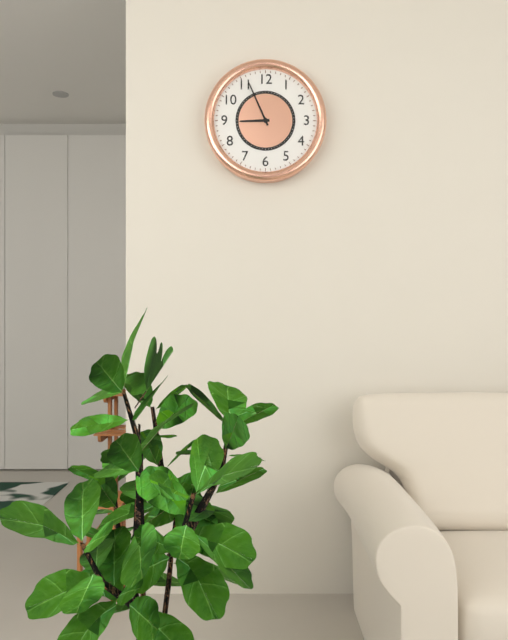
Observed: 8:56
